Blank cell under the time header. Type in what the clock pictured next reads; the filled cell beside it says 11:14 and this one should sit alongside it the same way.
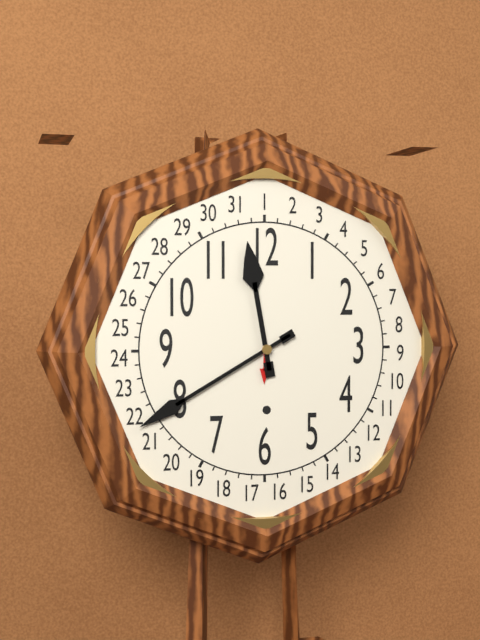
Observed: 11:40
